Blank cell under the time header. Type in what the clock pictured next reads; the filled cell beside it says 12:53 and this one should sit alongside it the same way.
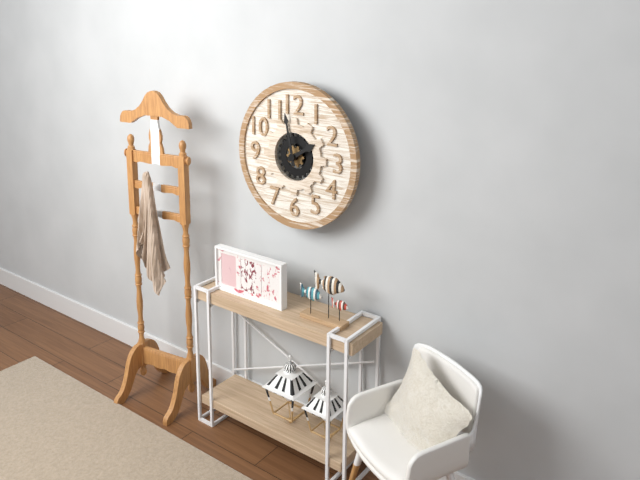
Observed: 1:58
